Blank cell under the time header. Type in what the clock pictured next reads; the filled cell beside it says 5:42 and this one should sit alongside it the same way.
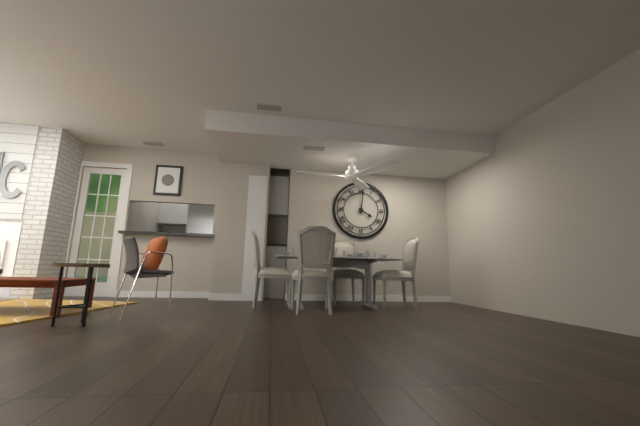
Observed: 4:01
